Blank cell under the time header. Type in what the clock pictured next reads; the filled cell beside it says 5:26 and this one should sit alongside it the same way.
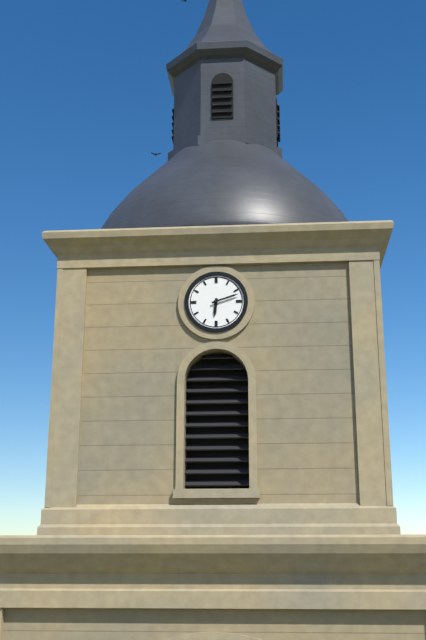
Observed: 6:12
